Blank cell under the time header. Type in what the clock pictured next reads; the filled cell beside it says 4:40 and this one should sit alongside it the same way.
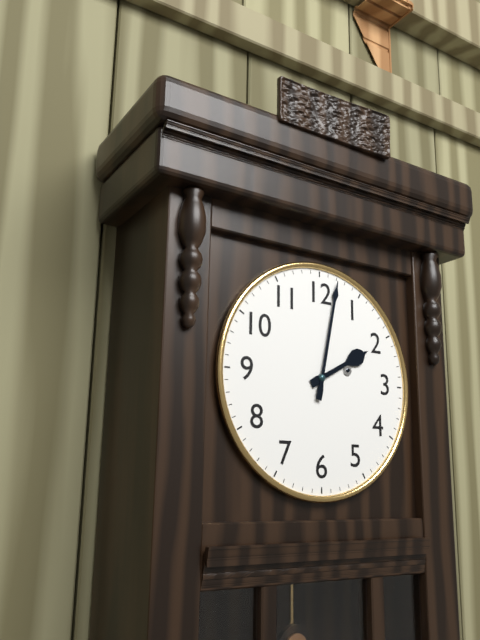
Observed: 2:02
